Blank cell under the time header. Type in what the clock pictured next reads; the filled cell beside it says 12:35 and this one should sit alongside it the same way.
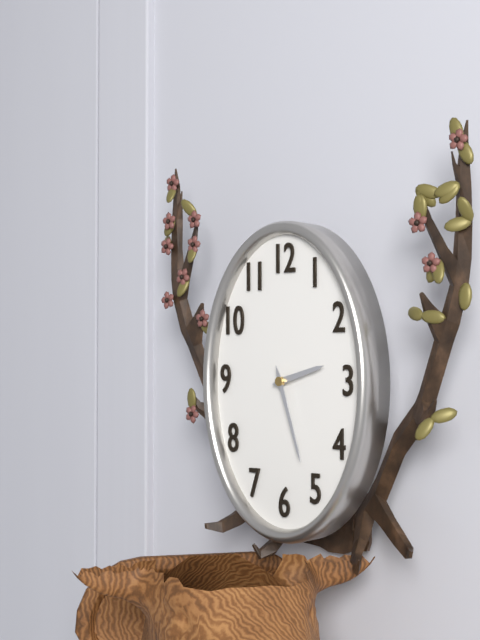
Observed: 2:27
